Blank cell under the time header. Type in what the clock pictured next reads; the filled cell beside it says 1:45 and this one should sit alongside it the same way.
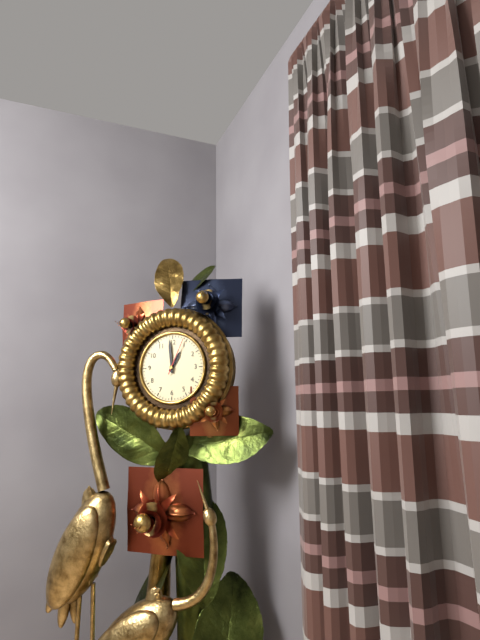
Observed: 12:59
